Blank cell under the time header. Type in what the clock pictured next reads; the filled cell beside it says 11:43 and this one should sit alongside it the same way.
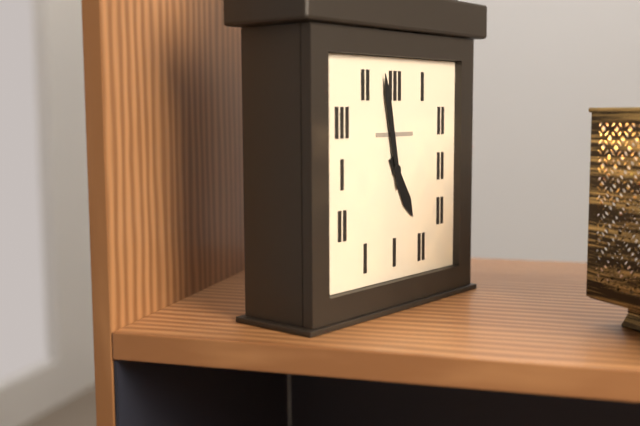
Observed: 4:58
